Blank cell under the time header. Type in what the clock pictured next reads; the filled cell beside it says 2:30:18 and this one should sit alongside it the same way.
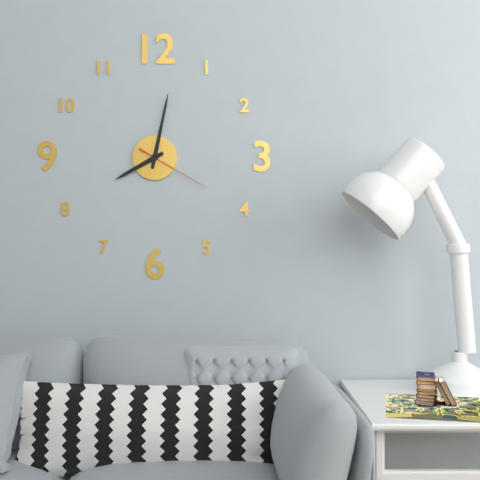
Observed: 8:02:20
